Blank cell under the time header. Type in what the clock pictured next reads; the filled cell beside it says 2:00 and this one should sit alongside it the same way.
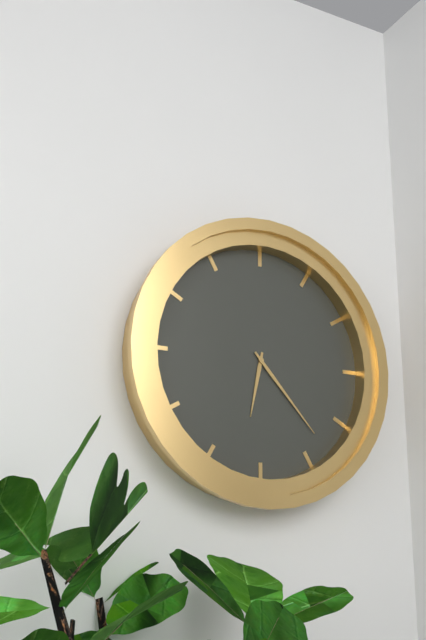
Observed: 6:23
